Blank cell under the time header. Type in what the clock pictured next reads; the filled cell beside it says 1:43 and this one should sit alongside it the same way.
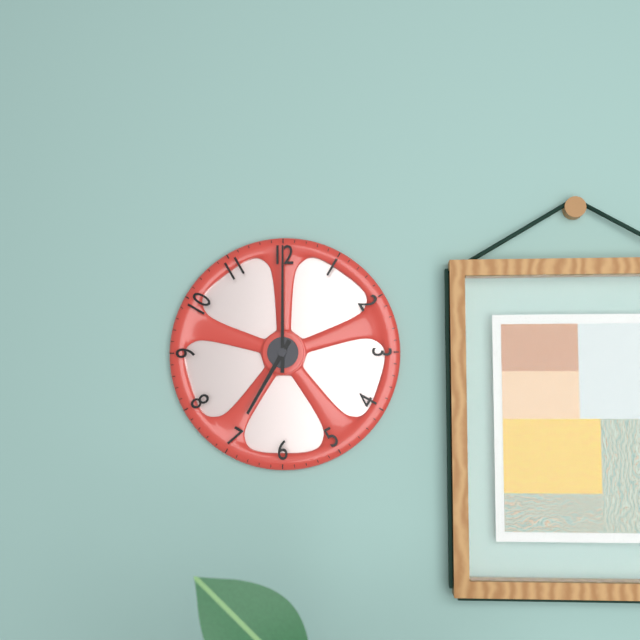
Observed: 7:00
